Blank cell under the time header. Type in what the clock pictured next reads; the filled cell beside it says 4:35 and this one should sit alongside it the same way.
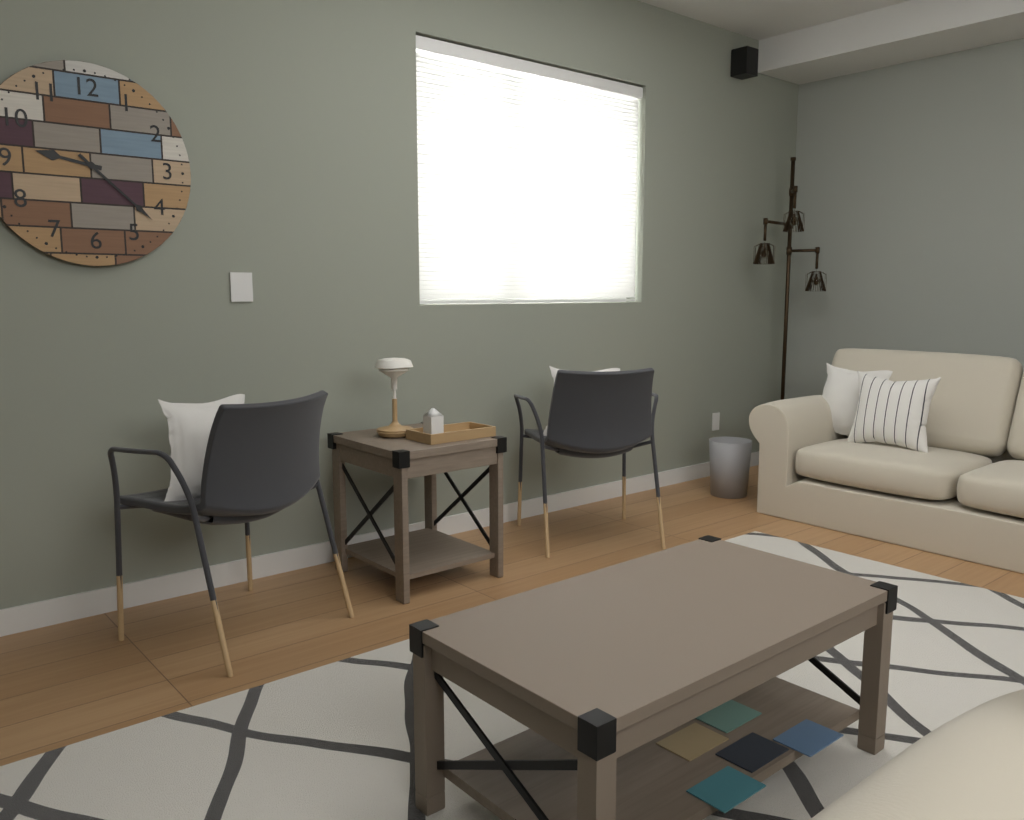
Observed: 9:22
